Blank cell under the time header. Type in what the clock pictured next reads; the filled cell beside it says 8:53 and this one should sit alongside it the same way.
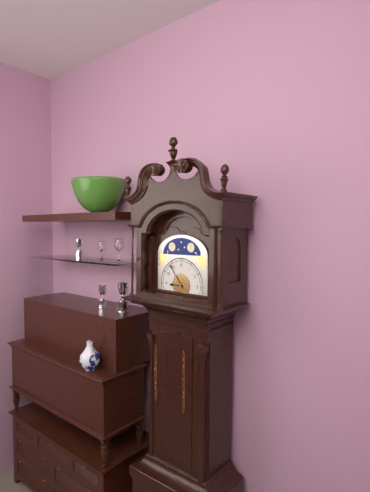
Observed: 8:54
